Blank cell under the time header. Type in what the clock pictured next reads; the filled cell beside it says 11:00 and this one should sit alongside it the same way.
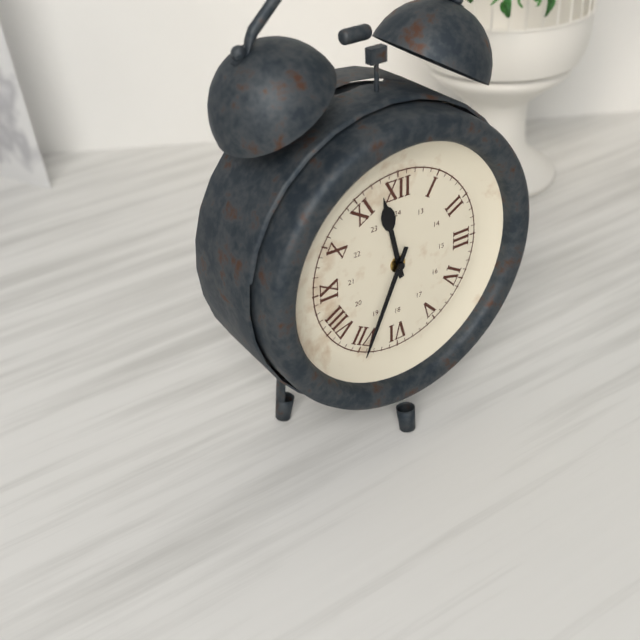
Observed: 11:34
